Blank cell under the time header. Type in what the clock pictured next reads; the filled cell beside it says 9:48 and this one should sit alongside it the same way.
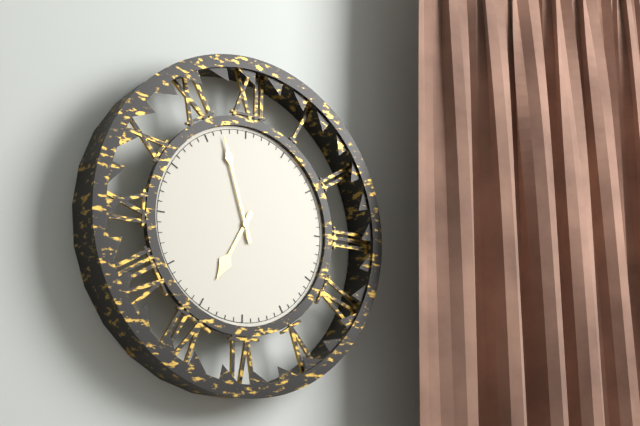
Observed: 6:57
